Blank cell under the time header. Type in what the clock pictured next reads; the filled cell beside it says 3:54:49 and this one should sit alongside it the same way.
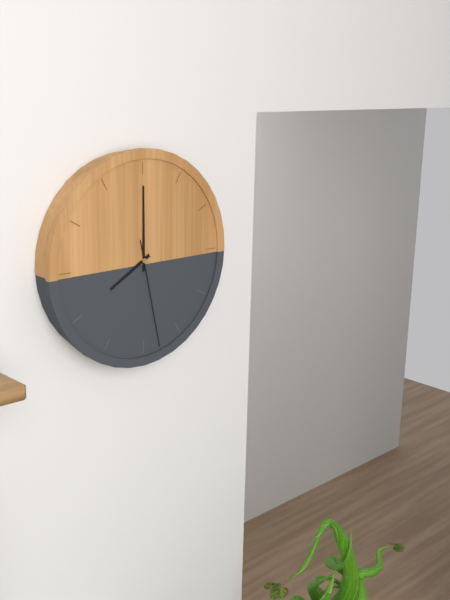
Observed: 8:00:28
